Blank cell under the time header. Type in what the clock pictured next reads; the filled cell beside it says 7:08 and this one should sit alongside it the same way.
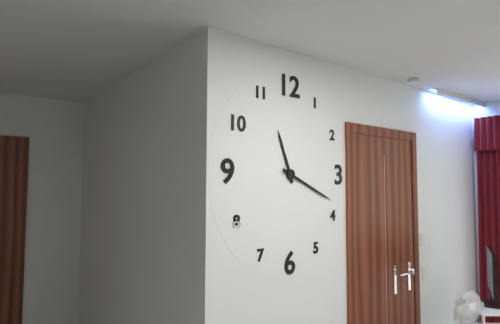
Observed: 11:19
